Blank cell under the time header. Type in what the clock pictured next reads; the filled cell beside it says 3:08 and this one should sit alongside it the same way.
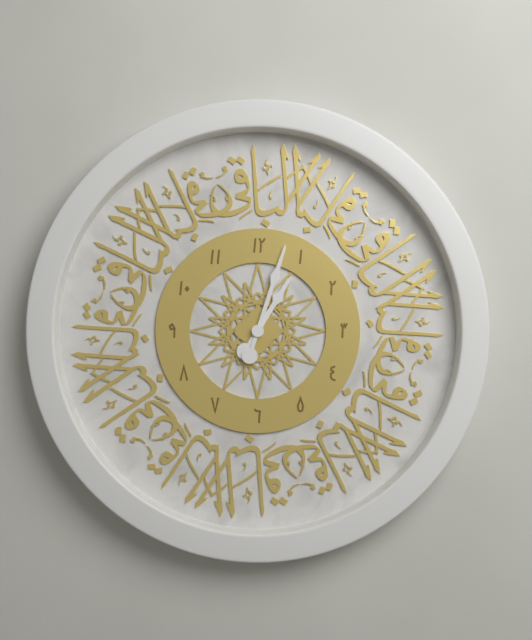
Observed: 1:03
